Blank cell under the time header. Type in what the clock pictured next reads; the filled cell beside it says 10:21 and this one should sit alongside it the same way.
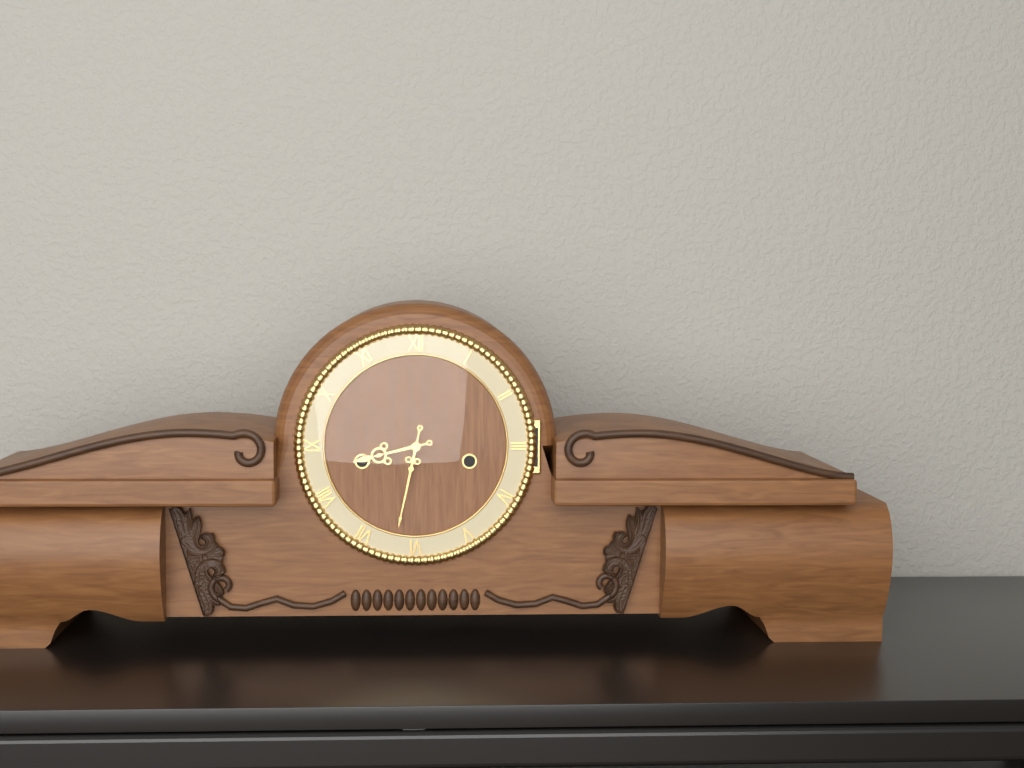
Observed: 8:32
